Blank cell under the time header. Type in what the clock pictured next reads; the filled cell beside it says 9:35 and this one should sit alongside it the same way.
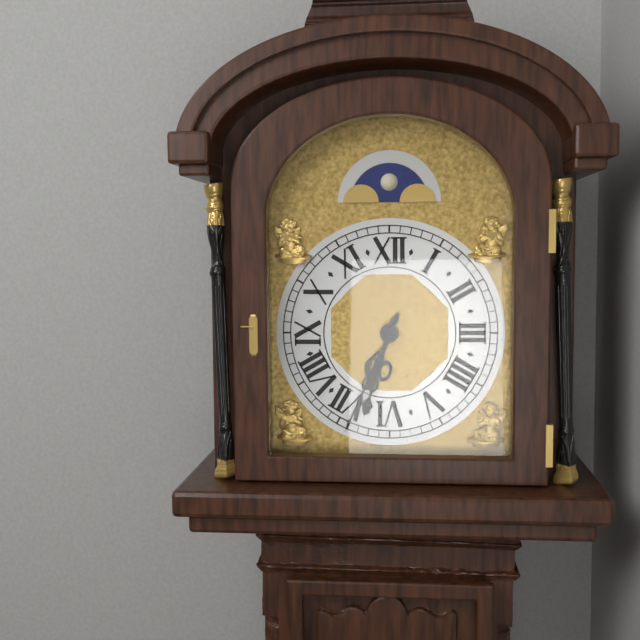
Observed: 6:34
